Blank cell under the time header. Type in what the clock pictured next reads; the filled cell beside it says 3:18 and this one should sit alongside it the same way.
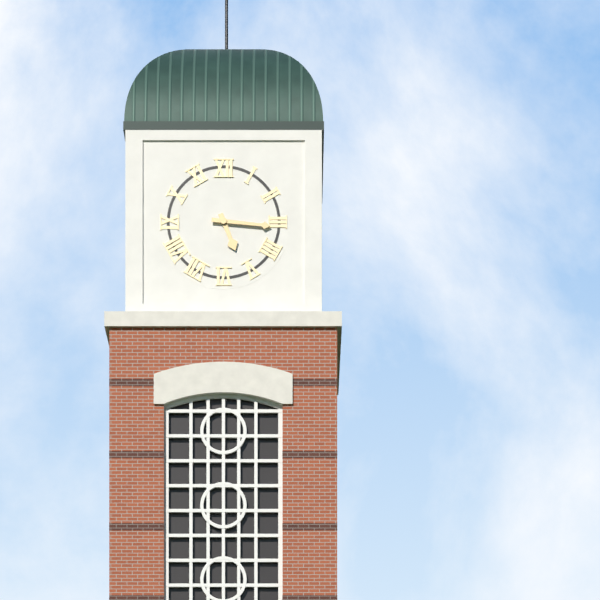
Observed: 5:16
